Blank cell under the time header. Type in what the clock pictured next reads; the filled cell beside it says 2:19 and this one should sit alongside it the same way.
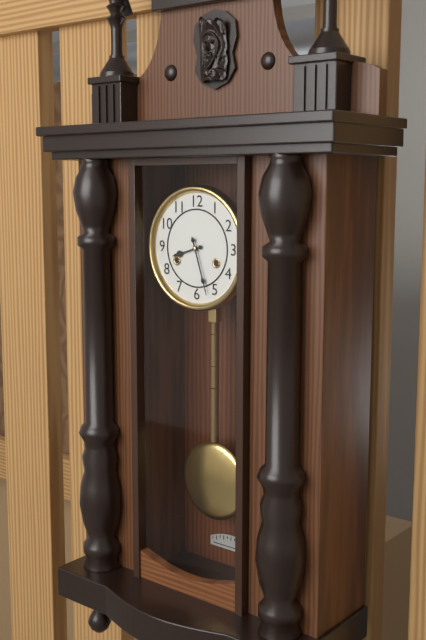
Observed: 8:27
